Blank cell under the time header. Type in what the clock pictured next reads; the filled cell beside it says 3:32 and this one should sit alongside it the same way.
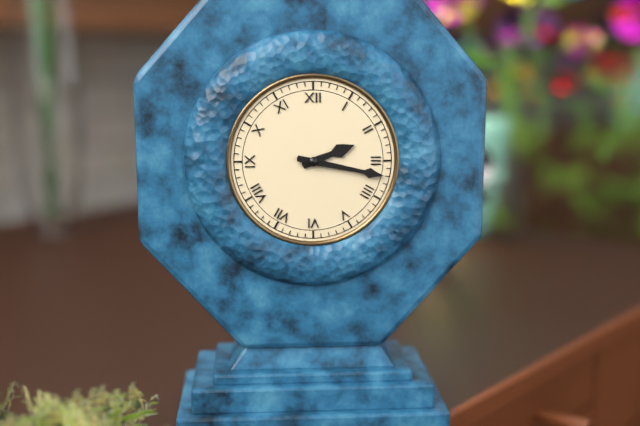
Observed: 2:17
